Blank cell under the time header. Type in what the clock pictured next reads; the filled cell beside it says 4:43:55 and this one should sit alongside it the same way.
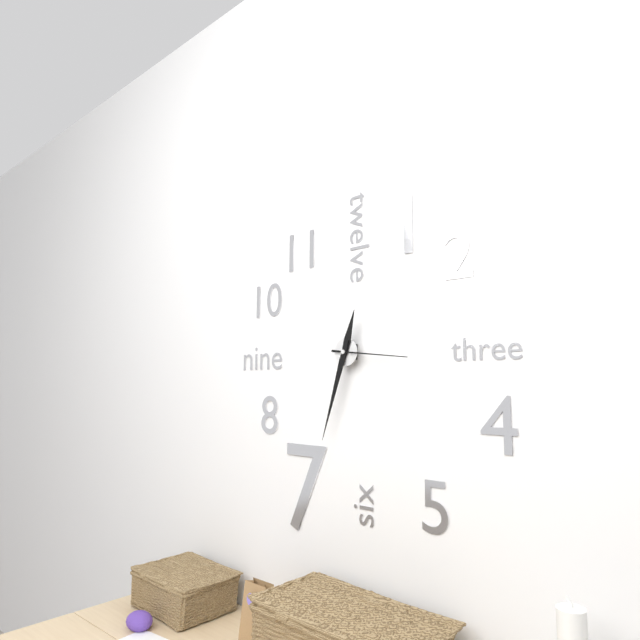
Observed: 12:33:16
